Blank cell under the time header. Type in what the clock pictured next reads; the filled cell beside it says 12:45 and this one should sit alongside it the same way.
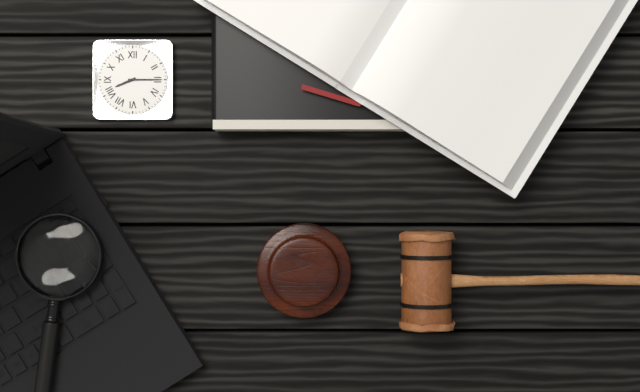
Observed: 8:15
